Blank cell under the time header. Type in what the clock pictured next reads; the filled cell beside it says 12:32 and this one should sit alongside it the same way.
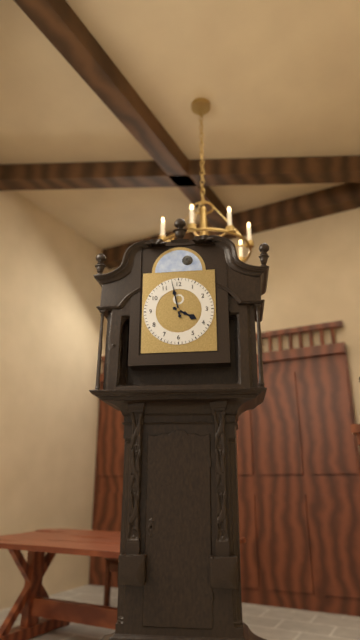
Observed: 3:58
